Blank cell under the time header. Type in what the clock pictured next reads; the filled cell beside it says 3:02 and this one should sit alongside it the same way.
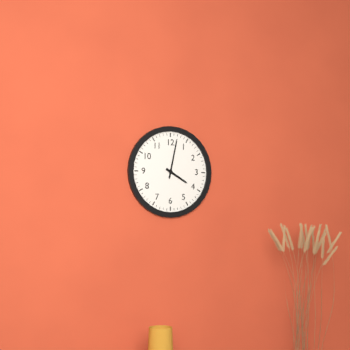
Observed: 4:02
